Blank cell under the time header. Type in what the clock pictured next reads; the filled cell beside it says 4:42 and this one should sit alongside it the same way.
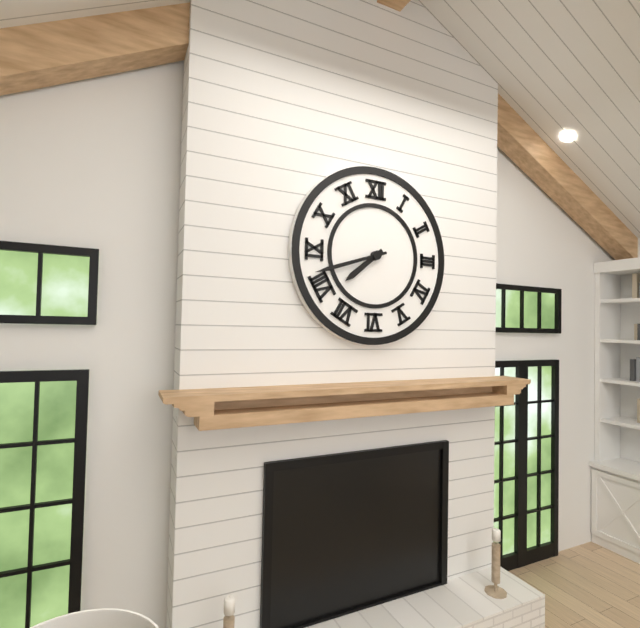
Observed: 7:42
